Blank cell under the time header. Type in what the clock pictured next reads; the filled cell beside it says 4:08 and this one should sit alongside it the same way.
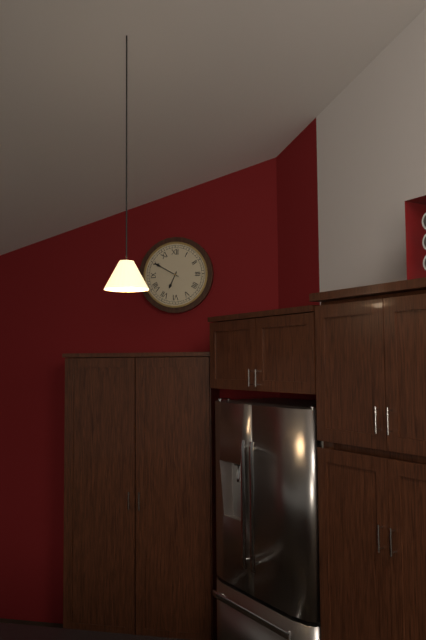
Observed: 6:50
